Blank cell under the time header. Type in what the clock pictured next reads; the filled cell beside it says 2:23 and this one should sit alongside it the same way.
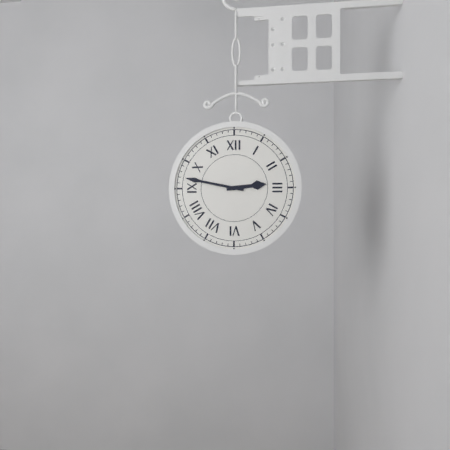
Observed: 2:47
